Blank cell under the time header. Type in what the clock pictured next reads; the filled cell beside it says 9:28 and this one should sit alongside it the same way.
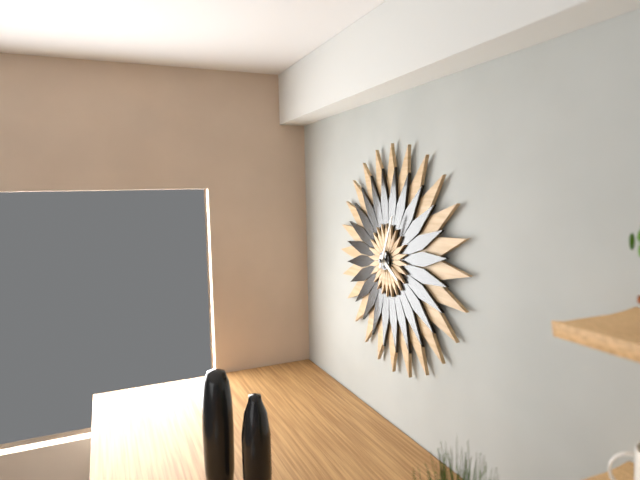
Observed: 4:04
